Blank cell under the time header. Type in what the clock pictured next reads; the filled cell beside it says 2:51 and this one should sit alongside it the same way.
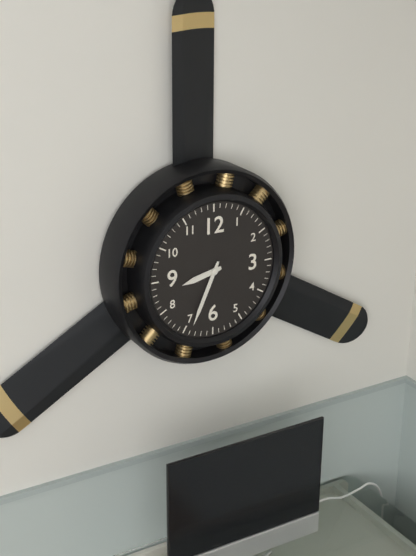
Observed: 8:34
